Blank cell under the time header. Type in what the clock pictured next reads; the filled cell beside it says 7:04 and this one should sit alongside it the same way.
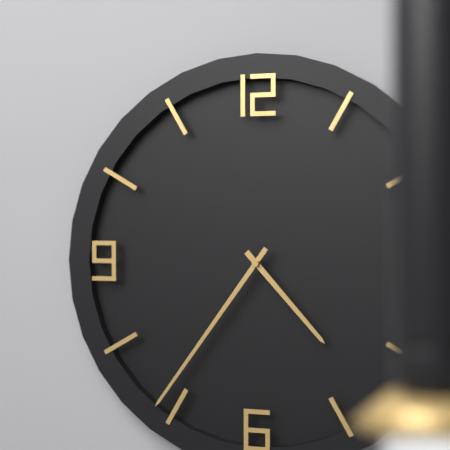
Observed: 4:36
